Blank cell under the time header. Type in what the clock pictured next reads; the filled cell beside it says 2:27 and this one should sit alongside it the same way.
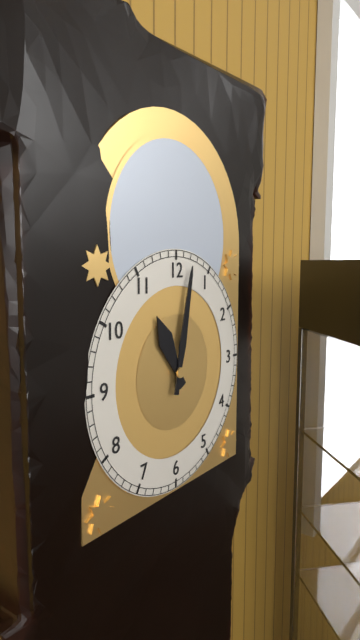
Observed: 11:02
